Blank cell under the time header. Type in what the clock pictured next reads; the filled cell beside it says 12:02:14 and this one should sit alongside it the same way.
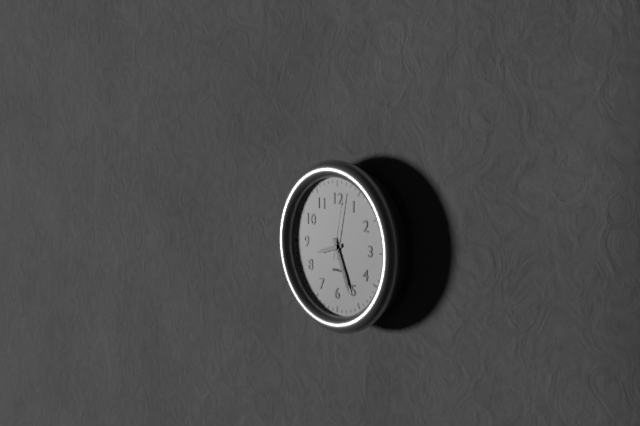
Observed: 8:26:02
